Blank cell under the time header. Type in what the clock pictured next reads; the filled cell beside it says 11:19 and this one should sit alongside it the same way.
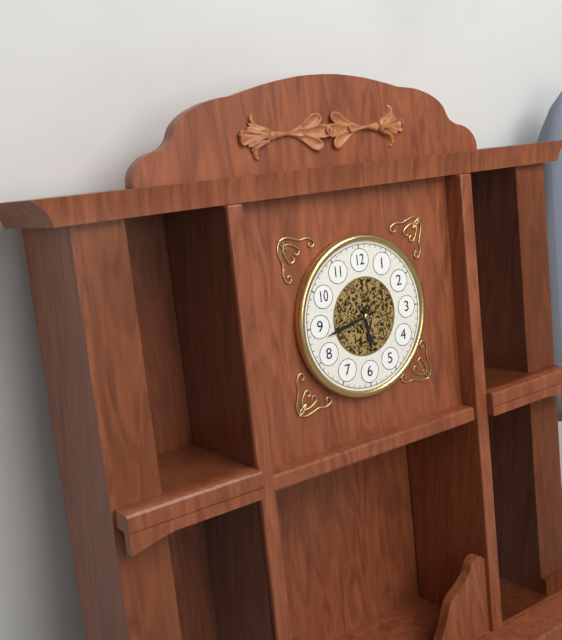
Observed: 5:43
